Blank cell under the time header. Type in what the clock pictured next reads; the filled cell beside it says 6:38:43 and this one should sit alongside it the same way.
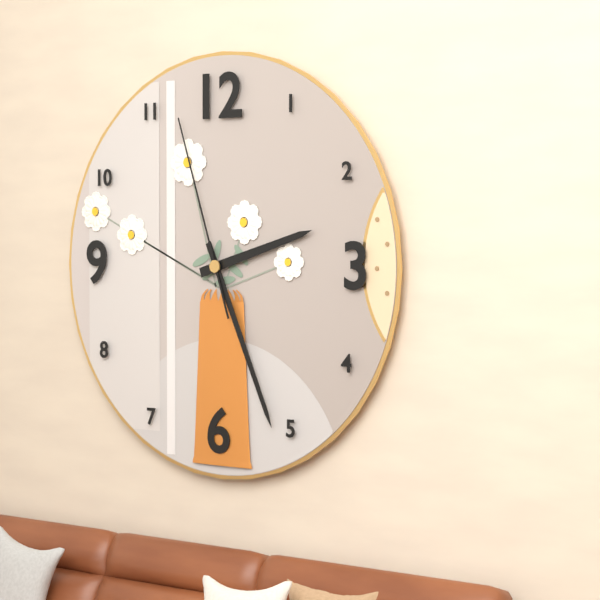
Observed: 2:26:57
